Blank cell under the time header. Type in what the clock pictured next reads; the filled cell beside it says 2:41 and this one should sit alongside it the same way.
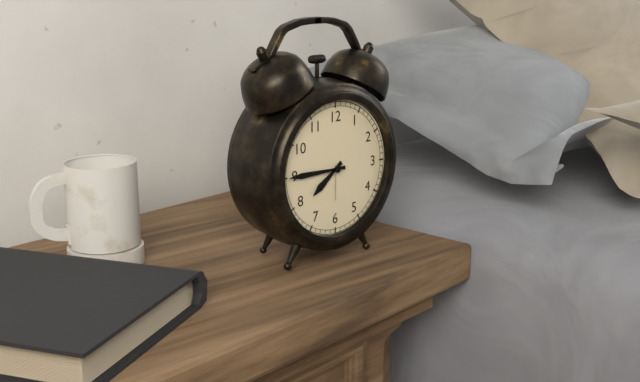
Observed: 7:45
